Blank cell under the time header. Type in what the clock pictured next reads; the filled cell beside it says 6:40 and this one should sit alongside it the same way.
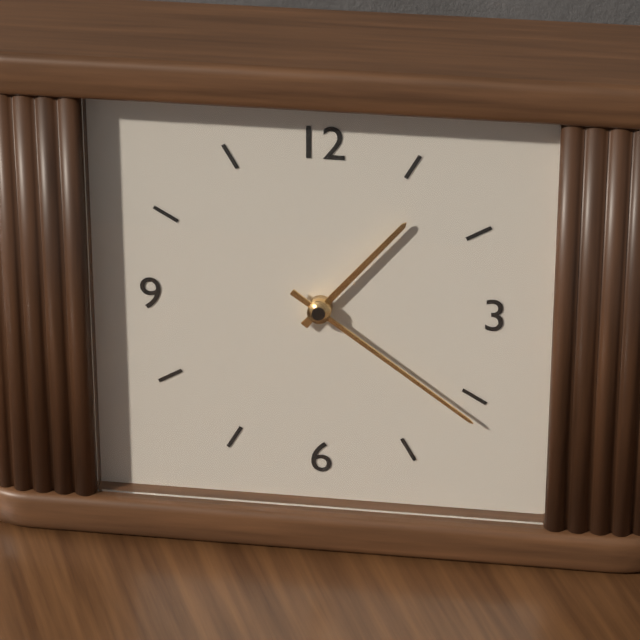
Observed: 1:21
